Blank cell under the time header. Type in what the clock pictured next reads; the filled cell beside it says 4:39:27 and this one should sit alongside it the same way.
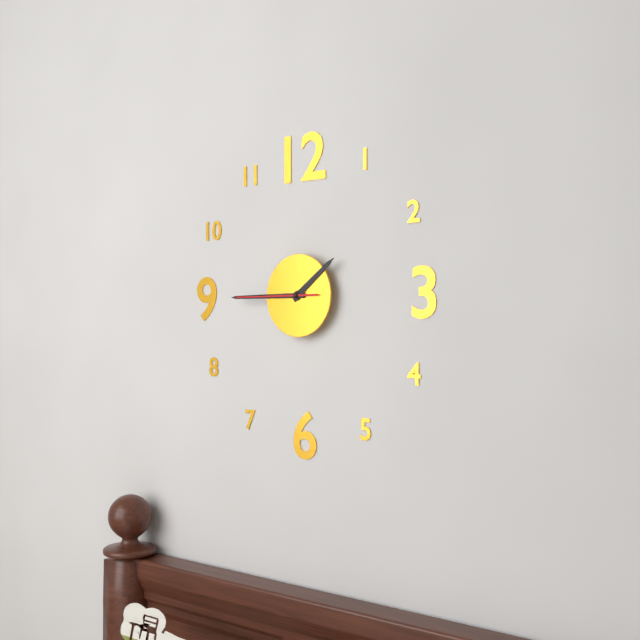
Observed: 1:45:45
